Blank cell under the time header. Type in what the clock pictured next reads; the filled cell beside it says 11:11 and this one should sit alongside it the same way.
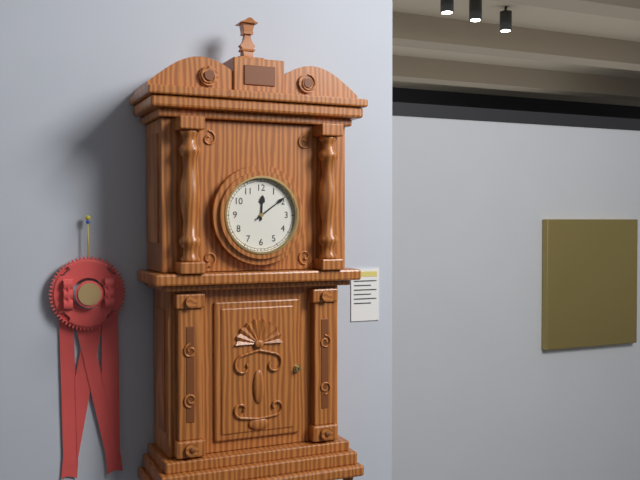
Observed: 12:09
